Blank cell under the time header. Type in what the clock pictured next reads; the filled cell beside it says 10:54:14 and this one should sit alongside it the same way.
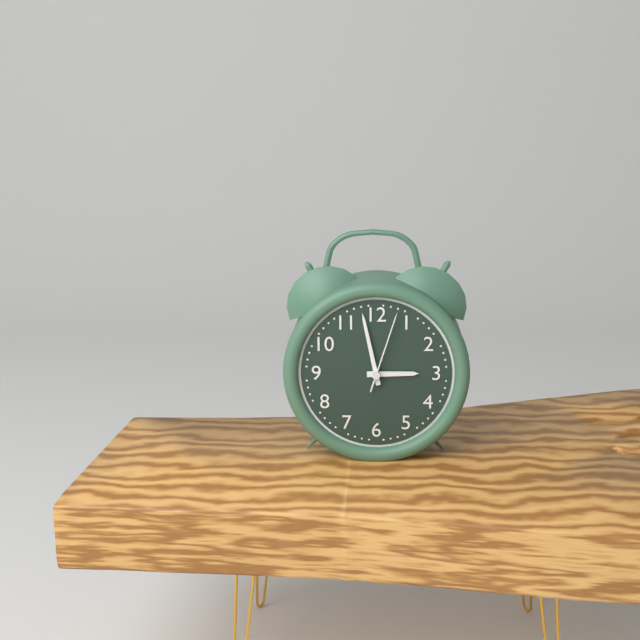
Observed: 2:58:03
